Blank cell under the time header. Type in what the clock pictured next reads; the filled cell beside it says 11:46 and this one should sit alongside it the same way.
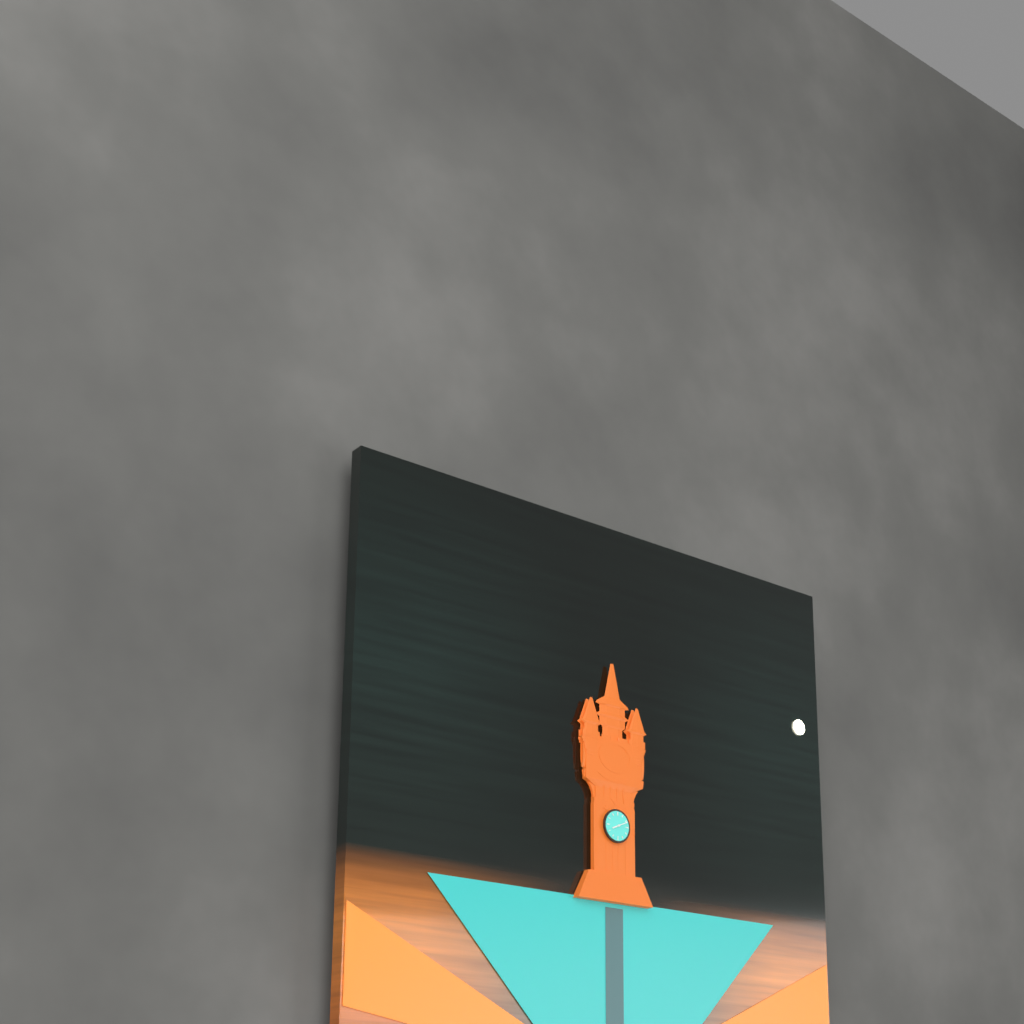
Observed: 8:11
